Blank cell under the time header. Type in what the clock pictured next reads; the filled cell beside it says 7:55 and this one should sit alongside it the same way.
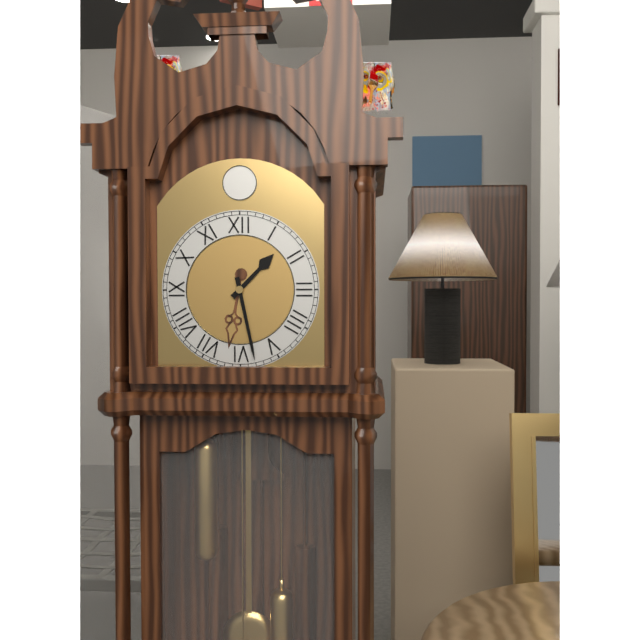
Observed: 1:28
